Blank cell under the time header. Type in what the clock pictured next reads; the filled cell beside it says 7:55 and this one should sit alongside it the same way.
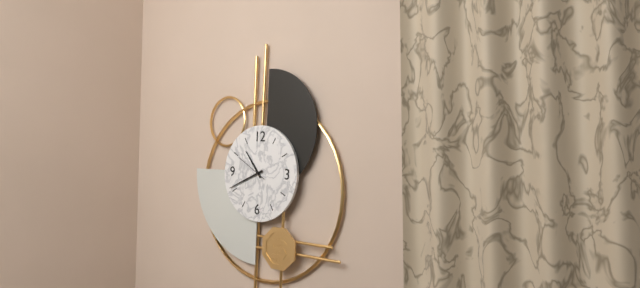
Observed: 10:41
